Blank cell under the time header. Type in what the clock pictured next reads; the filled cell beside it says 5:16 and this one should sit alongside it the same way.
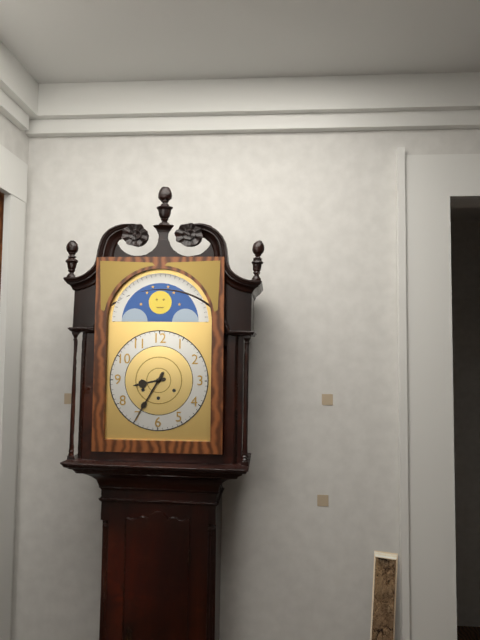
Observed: 8:35
